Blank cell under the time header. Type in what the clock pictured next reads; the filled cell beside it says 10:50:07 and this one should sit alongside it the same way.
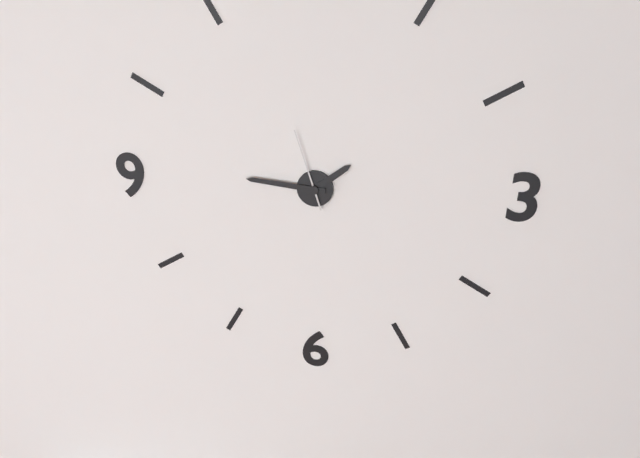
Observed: 1:46:57
